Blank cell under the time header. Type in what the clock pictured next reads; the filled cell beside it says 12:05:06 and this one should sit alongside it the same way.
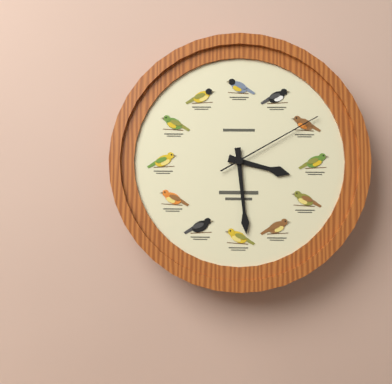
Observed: 3:29:10
